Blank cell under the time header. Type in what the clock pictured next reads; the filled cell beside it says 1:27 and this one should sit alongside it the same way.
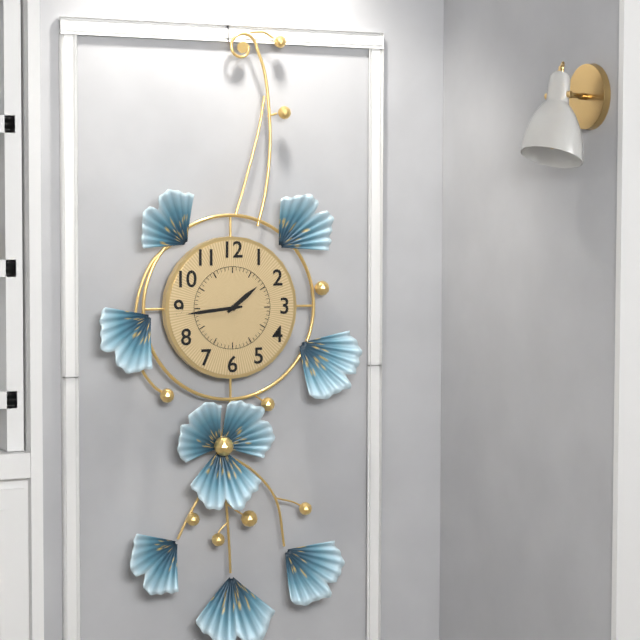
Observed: 1:44
